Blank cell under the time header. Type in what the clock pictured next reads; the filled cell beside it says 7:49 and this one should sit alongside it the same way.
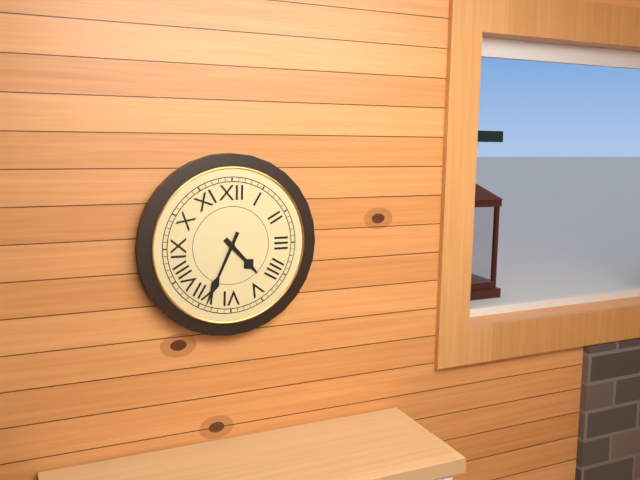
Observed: 4:34
